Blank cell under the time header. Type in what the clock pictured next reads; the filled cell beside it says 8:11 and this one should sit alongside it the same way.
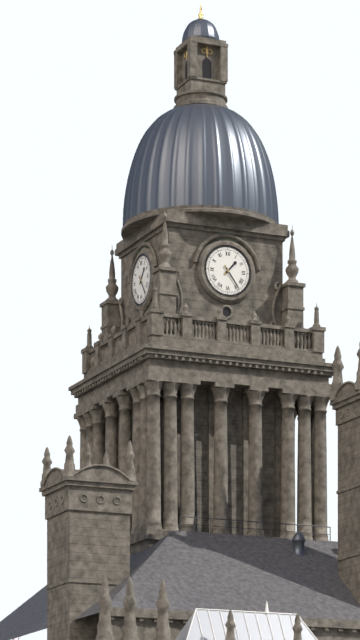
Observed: 1:24
